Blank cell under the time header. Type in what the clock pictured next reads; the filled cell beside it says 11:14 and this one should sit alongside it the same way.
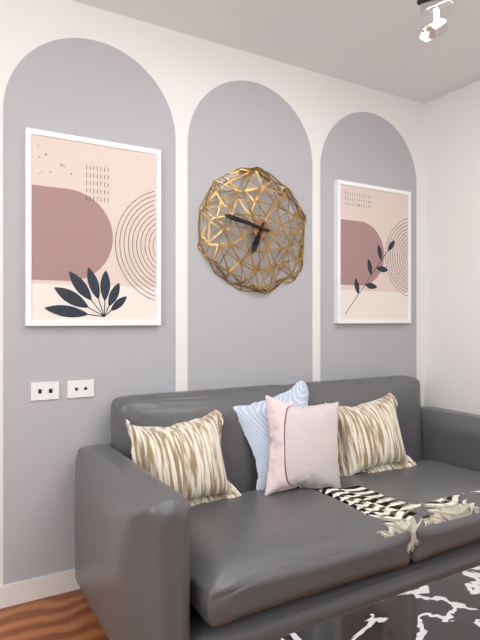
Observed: 6:47
